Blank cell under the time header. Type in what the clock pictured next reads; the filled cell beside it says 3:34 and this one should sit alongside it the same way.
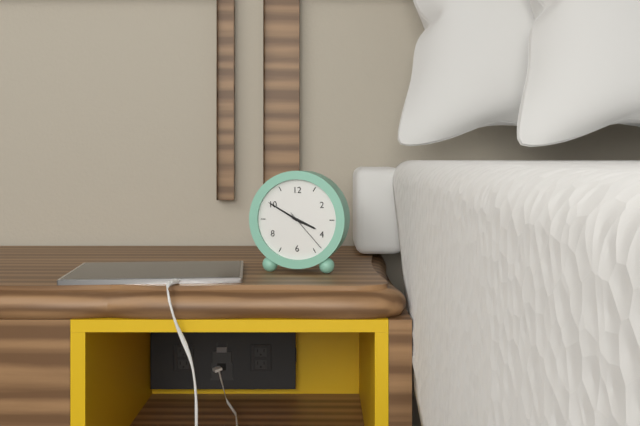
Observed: 3:50
